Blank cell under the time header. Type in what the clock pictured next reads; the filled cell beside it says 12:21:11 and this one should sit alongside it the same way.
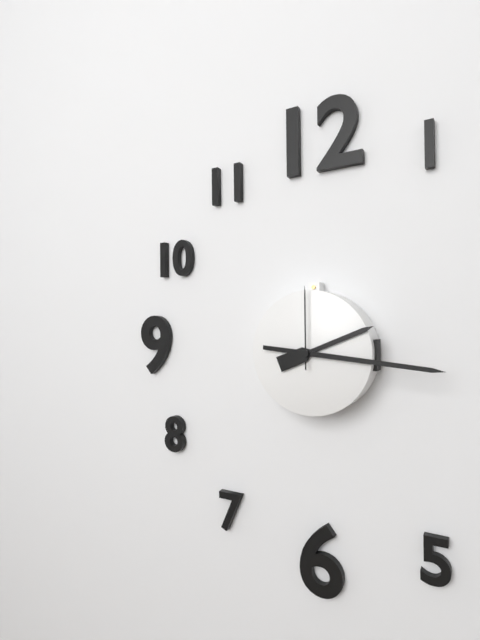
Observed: 2:16:00
